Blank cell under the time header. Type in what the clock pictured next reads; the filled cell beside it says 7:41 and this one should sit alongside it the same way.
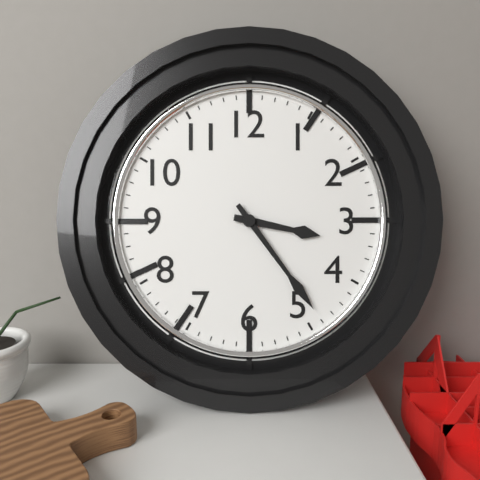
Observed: 3:24
